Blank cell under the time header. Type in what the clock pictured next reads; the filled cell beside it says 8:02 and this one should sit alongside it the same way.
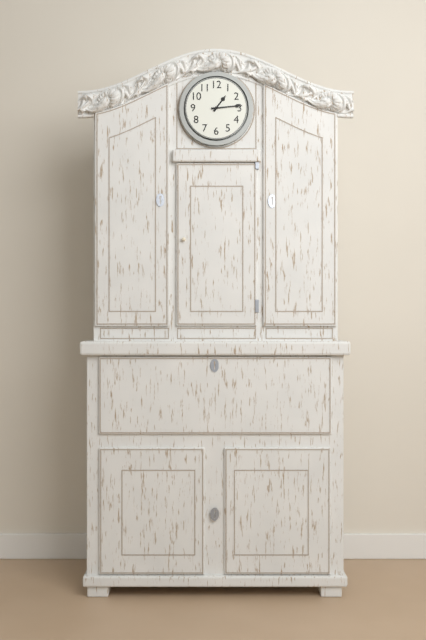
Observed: 1:14
